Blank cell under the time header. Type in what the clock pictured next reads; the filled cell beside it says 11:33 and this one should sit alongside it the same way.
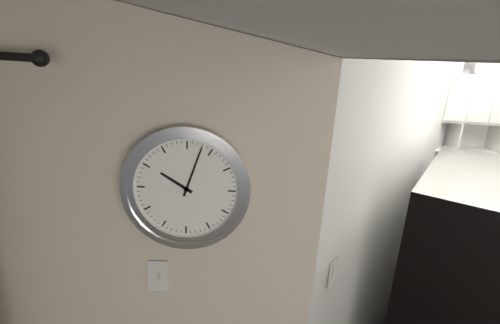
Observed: 10:03
